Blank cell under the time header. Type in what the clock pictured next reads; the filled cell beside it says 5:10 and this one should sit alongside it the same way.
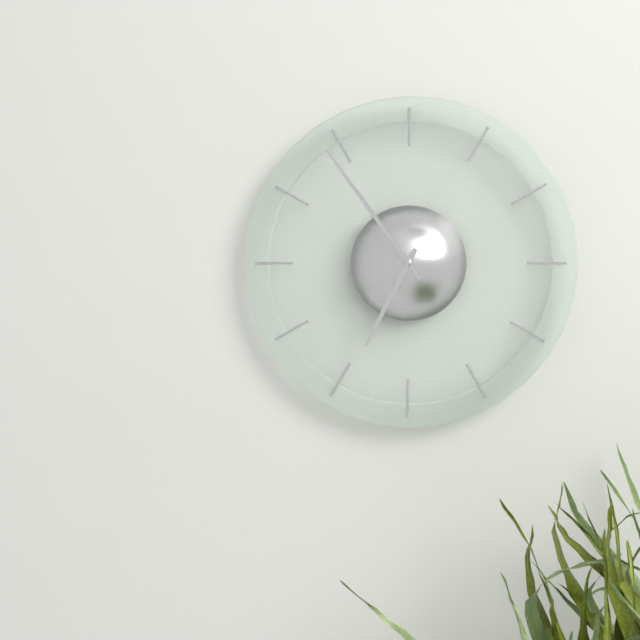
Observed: 6:54
